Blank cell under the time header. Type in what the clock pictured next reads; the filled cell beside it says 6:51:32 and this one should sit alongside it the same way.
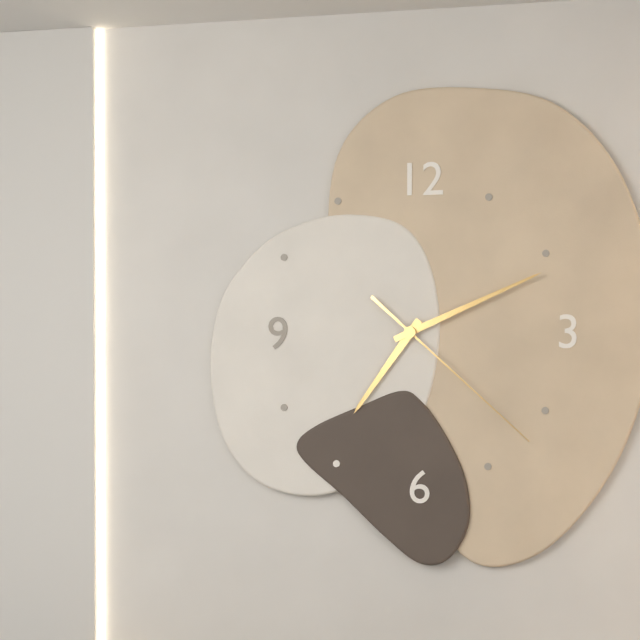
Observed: 7:11:22
